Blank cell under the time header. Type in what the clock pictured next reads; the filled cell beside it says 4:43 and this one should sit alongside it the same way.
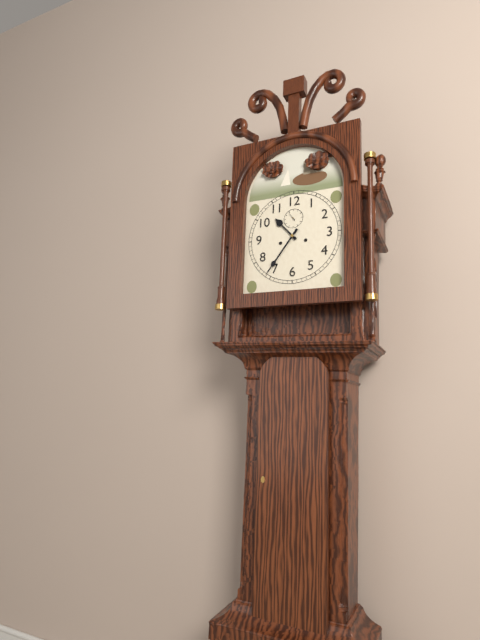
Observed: 10:36
